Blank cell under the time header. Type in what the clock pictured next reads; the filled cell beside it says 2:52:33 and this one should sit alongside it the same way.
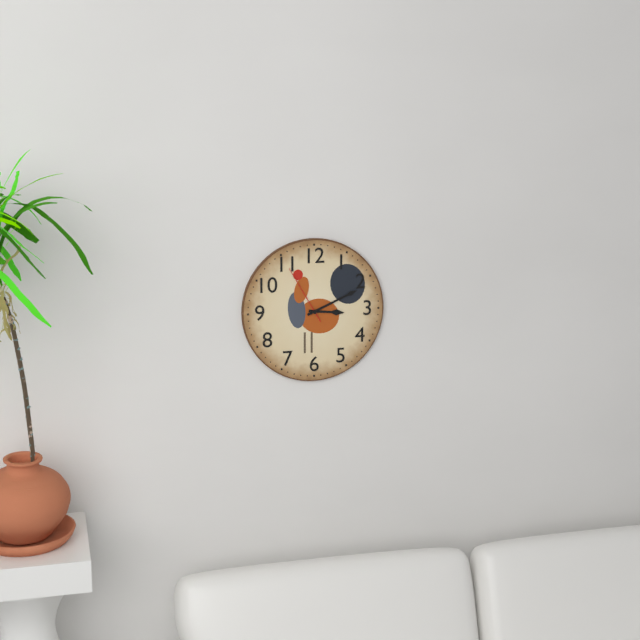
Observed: 3:11:55
